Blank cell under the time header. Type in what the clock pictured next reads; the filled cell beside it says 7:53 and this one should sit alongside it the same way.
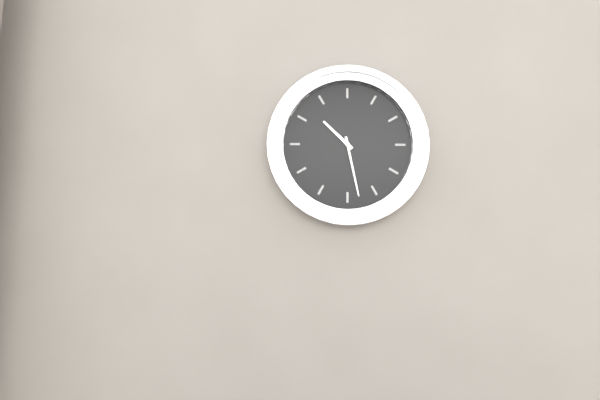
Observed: 10:28
